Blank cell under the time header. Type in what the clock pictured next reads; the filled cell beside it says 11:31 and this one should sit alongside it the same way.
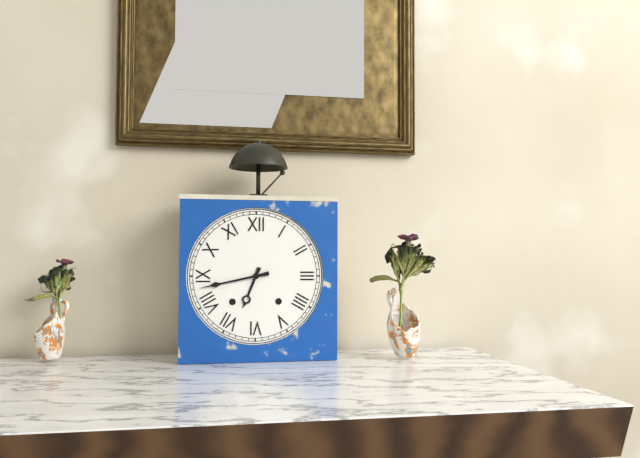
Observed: 6:43
